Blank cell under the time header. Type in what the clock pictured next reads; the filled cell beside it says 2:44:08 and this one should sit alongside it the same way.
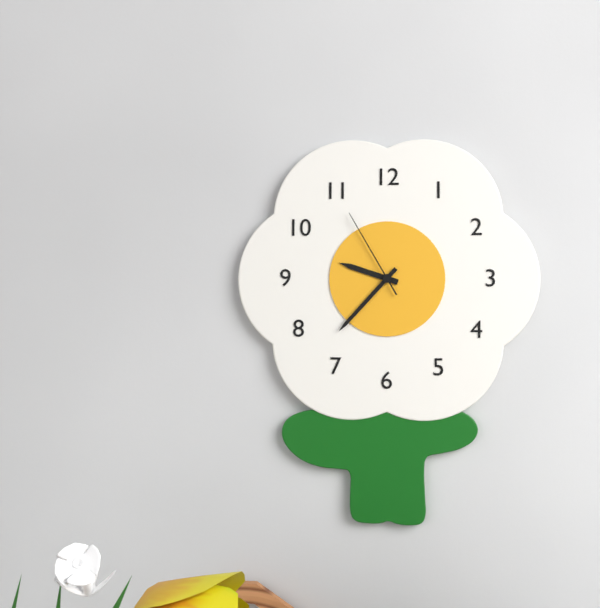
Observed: 9:37:55
